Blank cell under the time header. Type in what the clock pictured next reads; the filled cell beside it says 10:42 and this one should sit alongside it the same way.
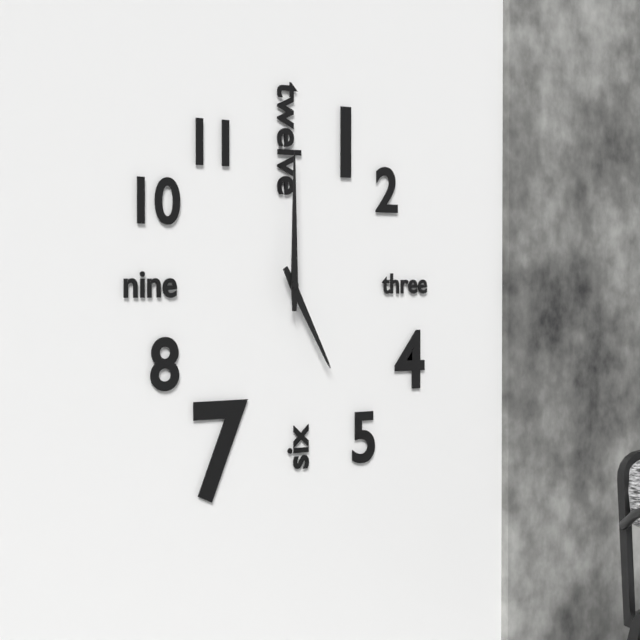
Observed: 5:00
